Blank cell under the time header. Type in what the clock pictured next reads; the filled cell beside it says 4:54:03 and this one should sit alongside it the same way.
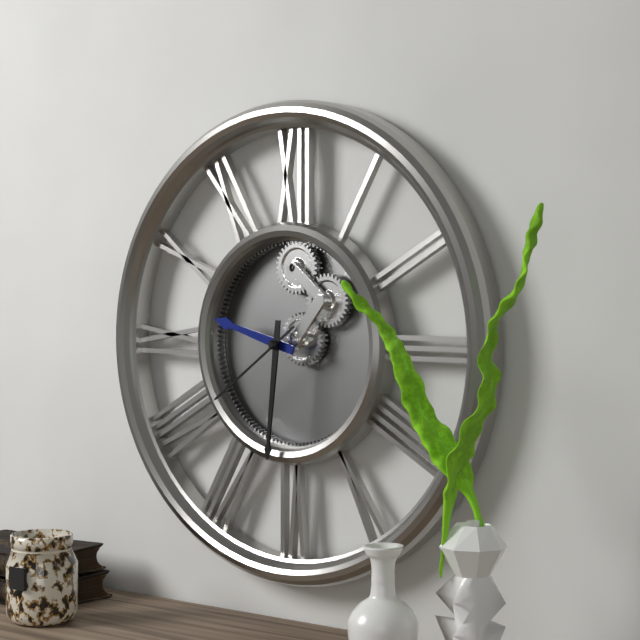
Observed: 9:31:39
